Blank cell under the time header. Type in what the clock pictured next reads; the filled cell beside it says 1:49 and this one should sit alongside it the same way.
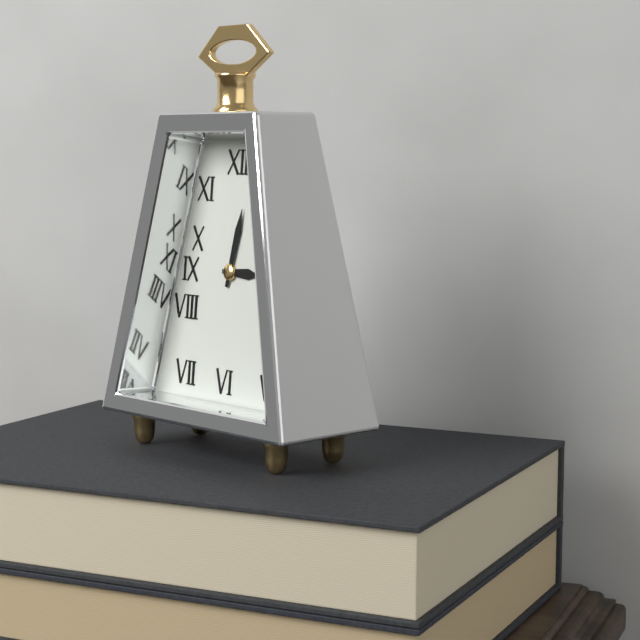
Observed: 3:02
